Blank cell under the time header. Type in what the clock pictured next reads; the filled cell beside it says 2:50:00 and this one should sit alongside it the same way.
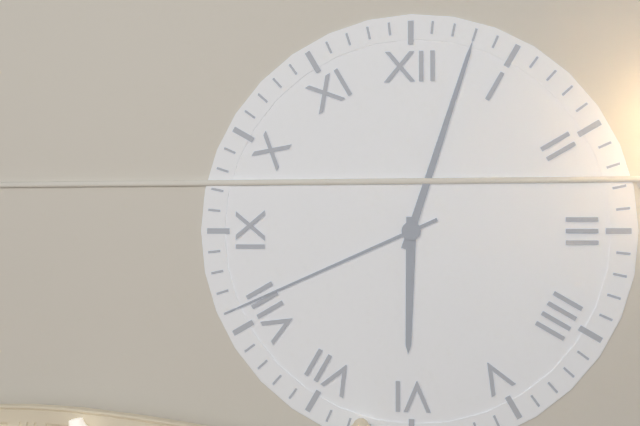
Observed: 6:03:41
